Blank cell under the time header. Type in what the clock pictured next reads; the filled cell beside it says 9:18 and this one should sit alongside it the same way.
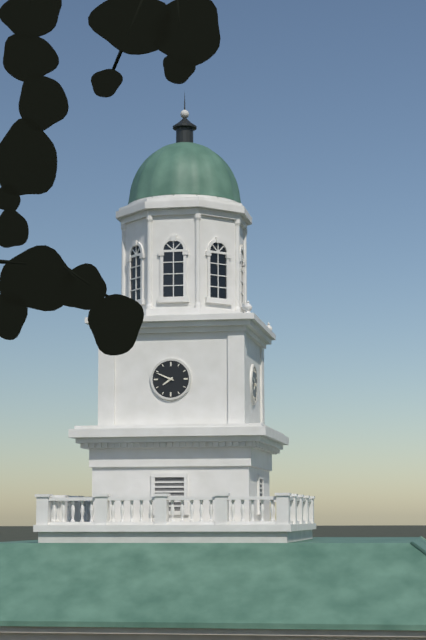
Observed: 7:49
